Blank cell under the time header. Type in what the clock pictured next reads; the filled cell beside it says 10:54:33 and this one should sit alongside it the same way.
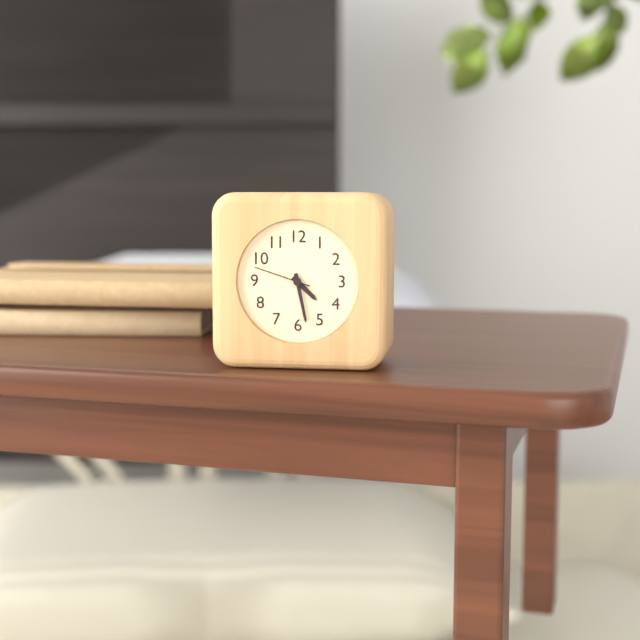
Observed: 4:28:48
